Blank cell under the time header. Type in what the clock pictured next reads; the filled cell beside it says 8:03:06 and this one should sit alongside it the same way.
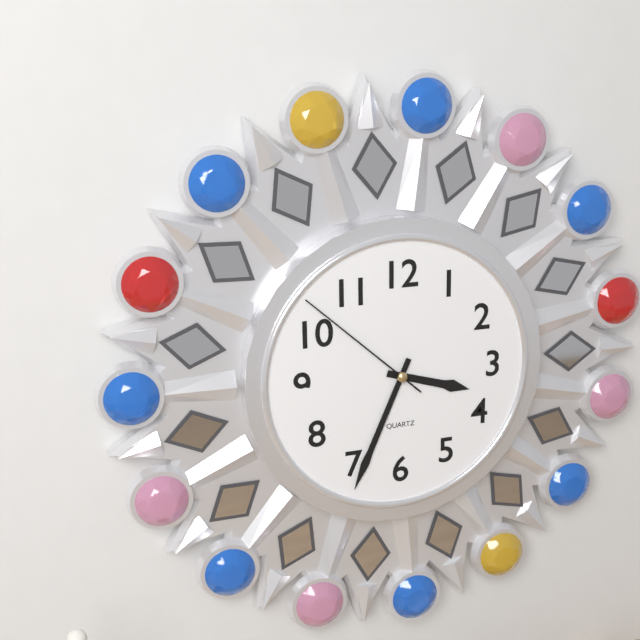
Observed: 3:34:52
